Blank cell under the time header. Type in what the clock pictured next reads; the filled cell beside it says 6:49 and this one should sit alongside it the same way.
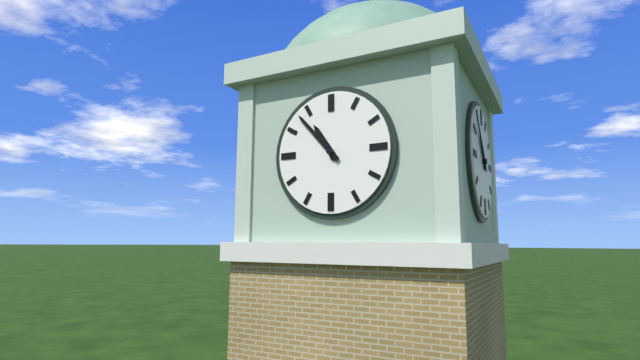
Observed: 10:53
